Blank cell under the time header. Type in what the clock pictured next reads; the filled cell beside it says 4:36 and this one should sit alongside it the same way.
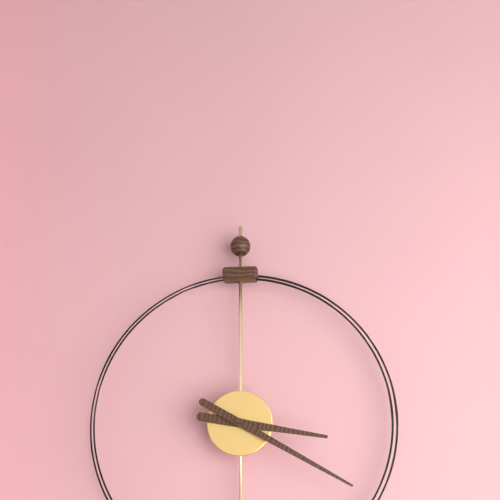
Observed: 3:20
